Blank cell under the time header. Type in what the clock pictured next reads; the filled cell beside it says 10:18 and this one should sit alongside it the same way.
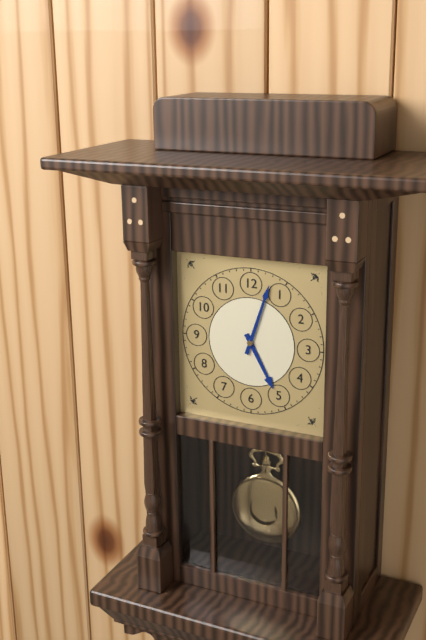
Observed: 5:03
